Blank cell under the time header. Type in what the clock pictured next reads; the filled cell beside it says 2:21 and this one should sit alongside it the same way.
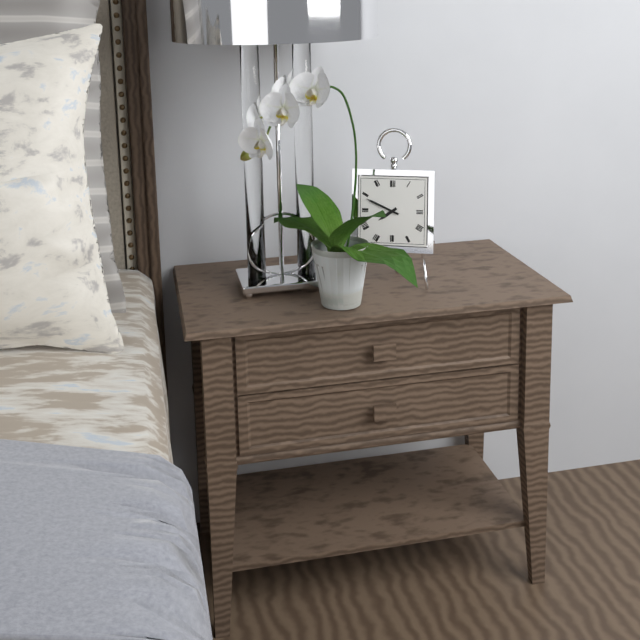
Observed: 7:49
